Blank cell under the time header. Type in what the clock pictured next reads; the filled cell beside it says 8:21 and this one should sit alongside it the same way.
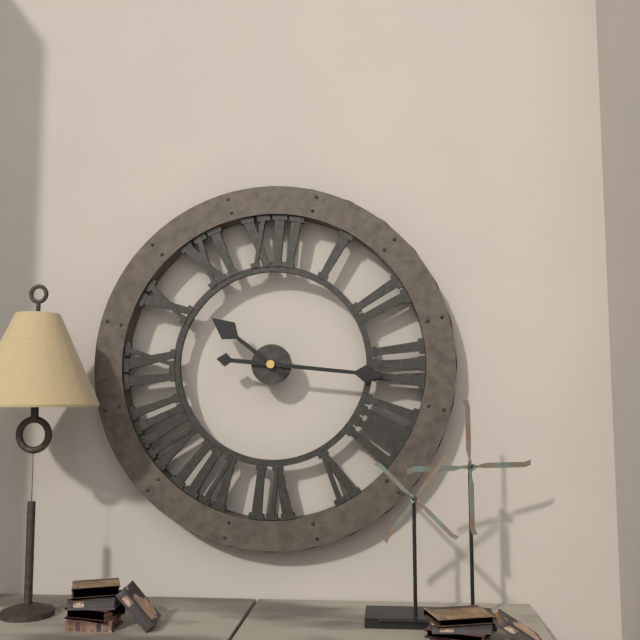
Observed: 10:16
